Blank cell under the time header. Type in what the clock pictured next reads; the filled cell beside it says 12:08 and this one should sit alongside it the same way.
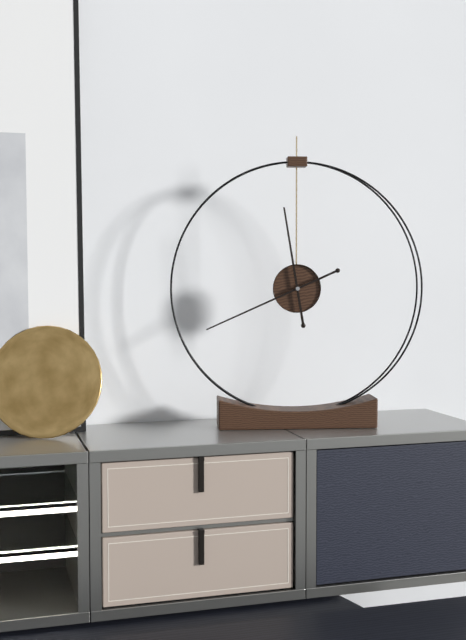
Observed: 11:41
